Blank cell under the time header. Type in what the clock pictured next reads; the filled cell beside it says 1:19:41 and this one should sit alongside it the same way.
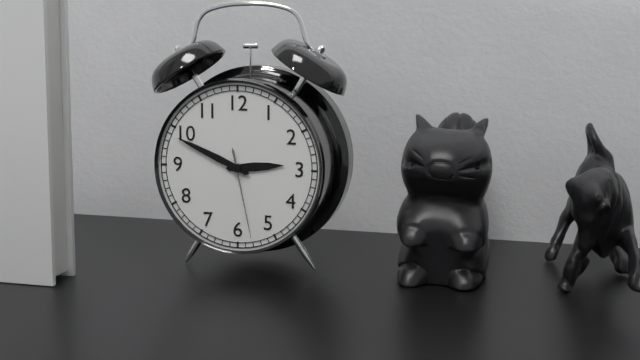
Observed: 2:49:28
